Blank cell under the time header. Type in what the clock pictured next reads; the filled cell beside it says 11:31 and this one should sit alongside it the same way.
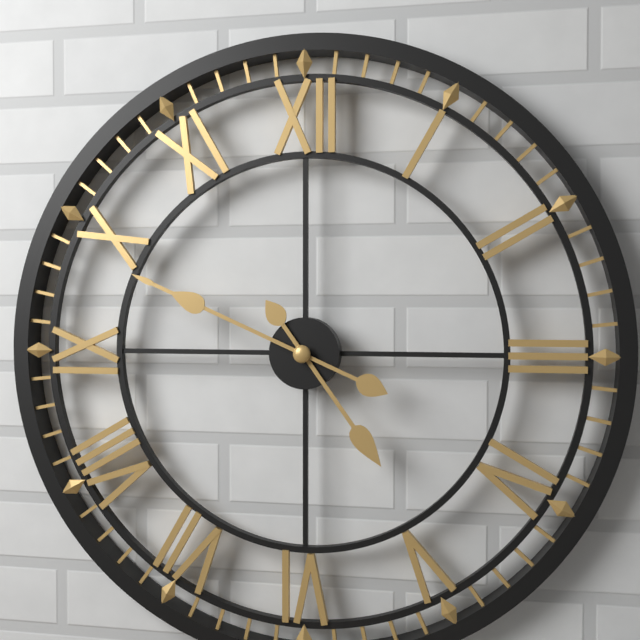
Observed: 4:49
